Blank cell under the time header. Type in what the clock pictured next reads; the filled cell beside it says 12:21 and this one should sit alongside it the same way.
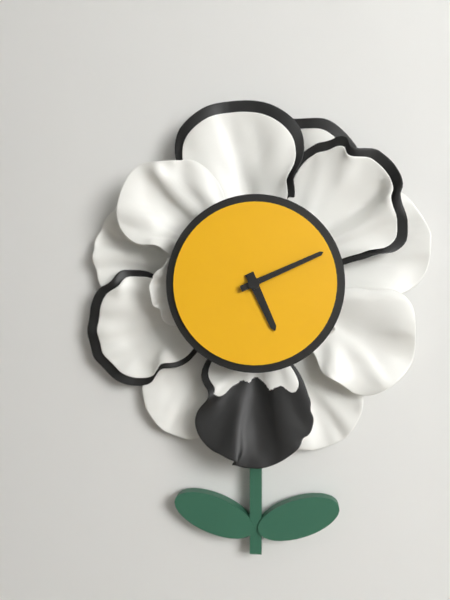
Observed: 5:11
